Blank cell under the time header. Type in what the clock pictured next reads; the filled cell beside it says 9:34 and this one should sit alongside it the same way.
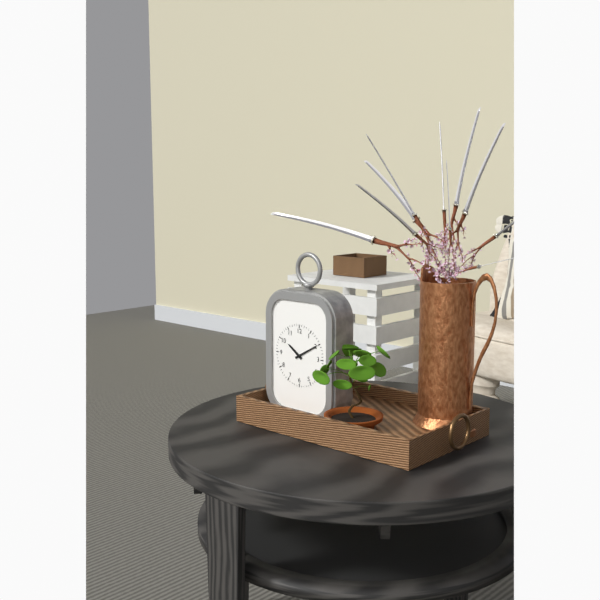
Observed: 10:10
